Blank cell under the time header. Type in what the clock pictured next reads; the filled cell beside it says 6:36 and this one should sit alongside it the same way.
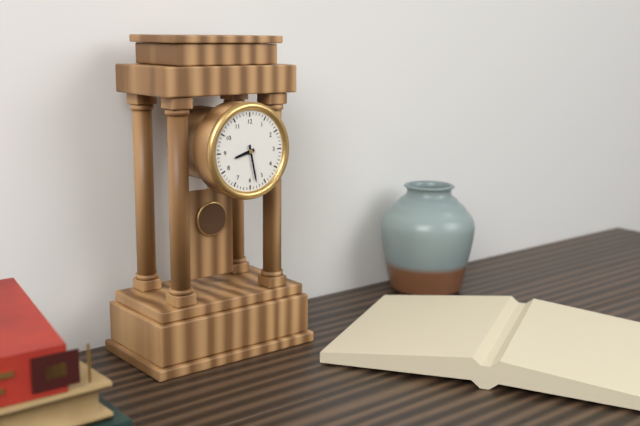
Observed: 8:28
